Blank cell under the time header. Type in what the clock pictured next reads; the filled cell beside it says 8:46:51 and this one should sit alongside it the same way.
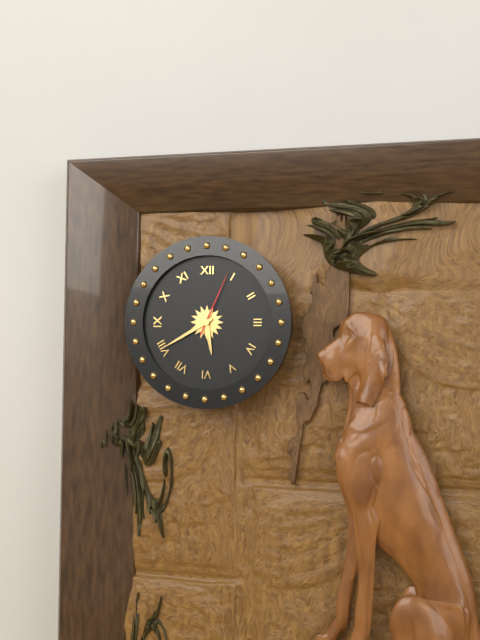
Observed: 5:40:04
